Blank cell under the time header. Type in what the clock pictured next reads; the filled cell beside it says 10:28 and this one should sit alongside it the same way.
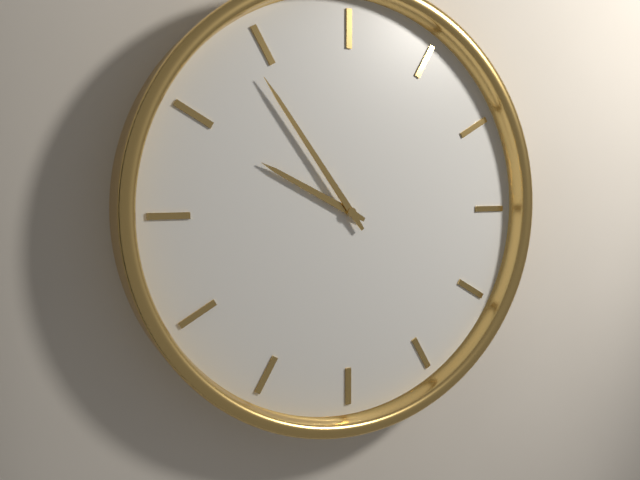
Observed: 9:54
